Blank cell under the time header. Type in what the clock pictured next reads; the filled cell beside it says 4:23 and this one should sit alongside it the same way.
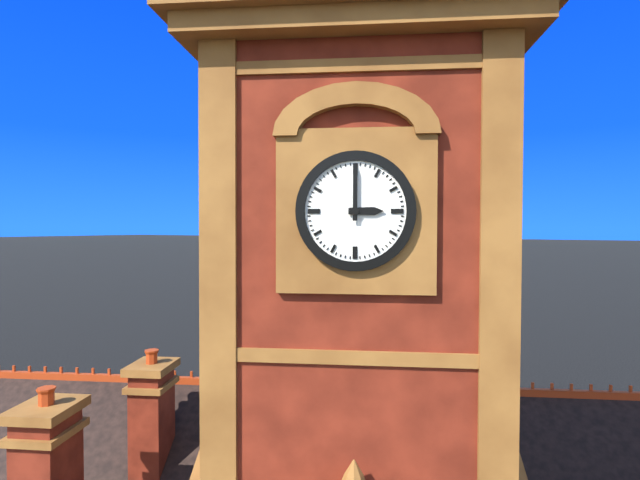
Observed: 3:00
